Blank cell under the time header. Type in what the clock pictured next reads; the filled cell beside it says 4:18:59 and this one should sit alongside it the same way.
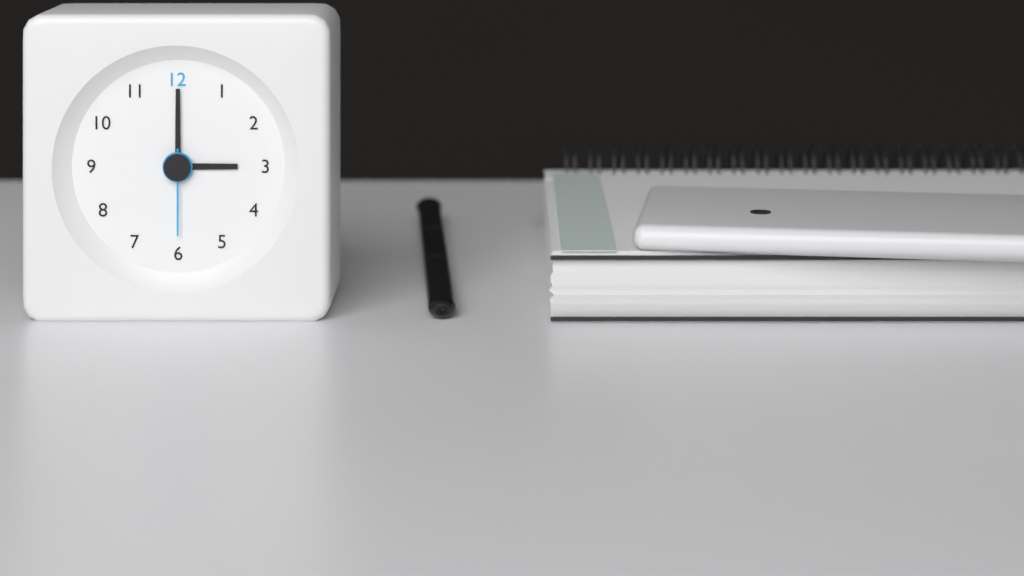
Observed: 3:00:30
